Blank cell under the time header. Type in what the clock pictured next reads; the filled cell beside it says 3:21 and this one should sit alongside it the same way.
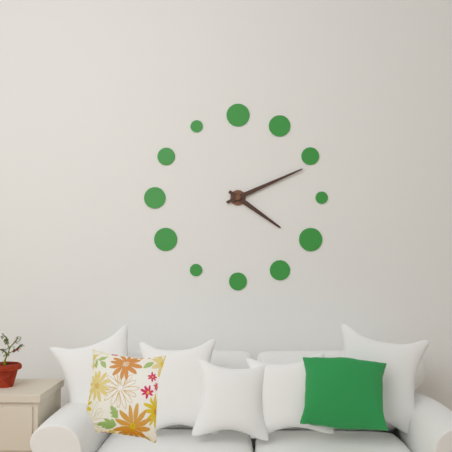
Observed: 4:11
